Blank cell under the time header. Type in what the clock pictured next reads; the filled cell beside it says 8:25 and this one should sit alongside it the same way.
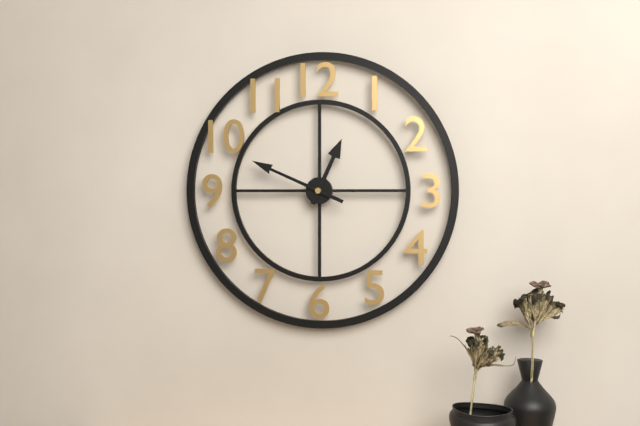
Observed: 12:49
